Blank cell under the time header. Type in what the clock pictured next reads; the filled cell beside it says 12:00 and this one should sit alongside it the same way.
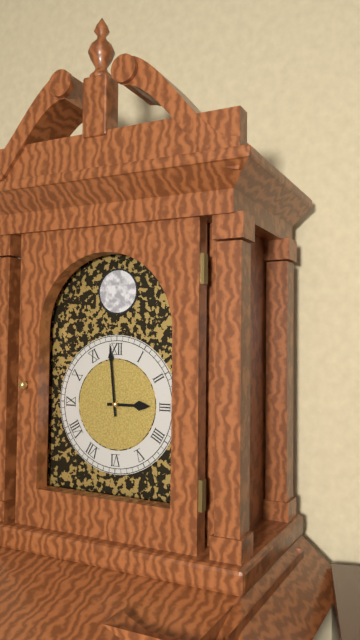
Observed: 2:59
